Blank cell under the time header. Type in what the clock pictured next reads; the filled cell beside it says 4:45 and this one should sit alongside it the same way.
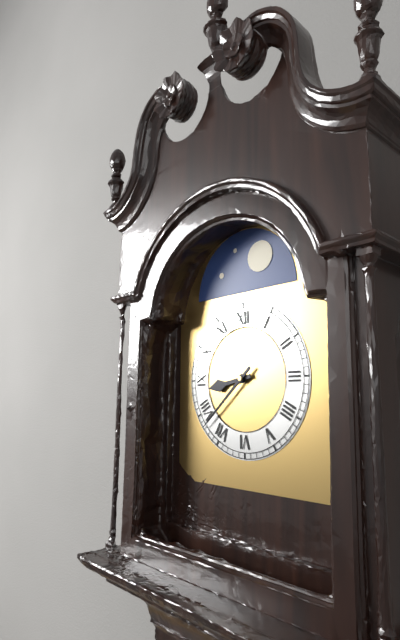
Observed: 8:38
